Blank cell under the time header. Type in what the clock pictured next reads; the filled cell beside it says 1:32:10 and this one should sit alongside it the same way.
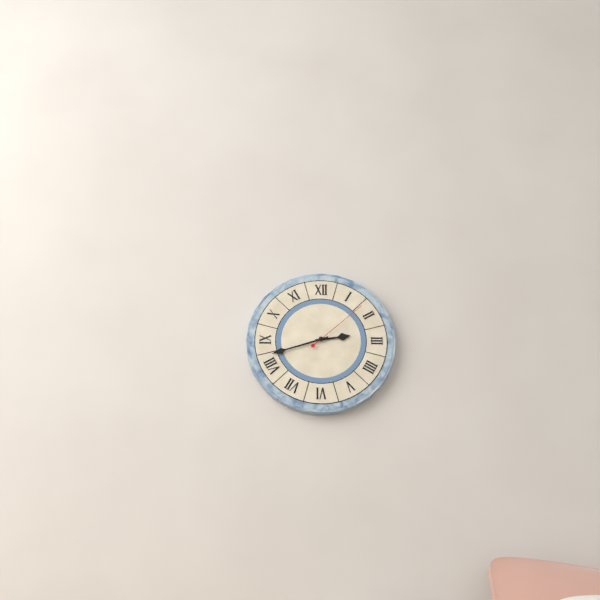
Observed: 2:42:08
